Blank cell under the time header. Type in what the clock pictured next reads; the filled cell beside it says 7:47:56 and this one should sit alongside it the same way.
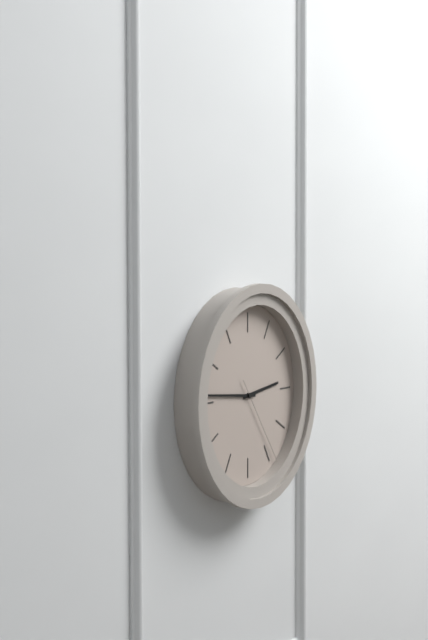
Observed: 2:46:24
